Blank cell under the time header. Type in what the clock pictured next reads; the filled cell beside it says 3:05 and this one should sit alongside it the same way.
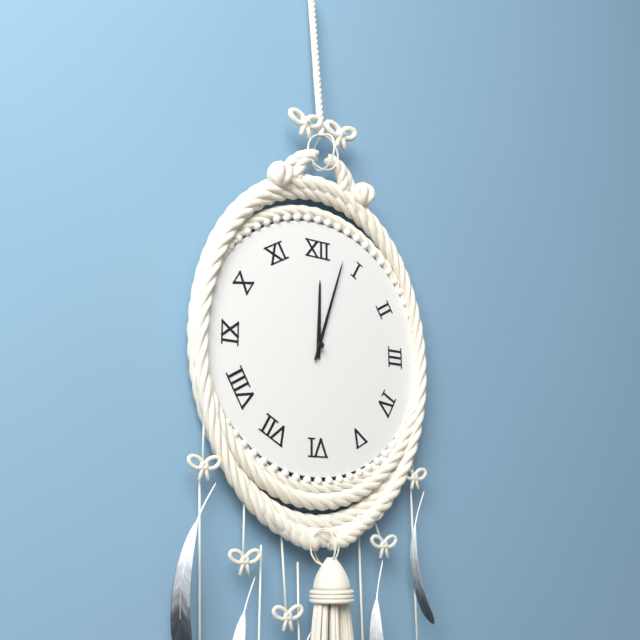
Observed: 12:03
